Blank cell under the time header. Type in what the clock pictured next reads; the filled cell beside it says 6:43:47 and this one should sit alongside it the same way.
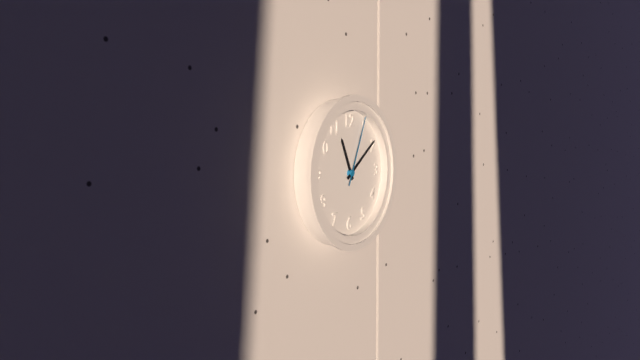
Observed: 11:09:04
